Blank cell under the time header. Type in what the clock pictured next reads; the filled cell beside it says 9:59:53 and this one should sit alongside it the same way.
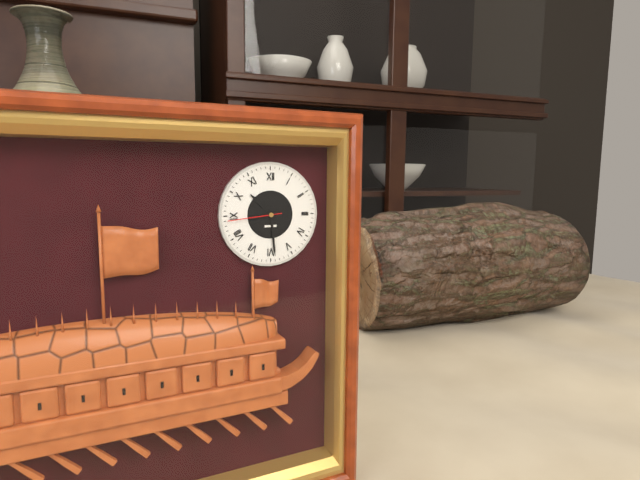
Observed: 10:29:44
